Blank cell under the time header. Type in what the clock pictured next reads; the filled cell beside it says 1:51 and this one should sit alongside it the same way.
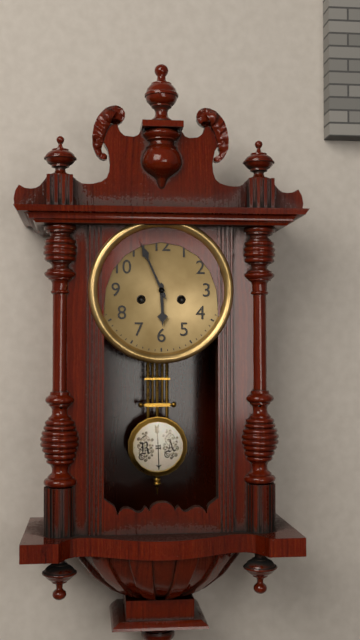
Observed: 5:56
